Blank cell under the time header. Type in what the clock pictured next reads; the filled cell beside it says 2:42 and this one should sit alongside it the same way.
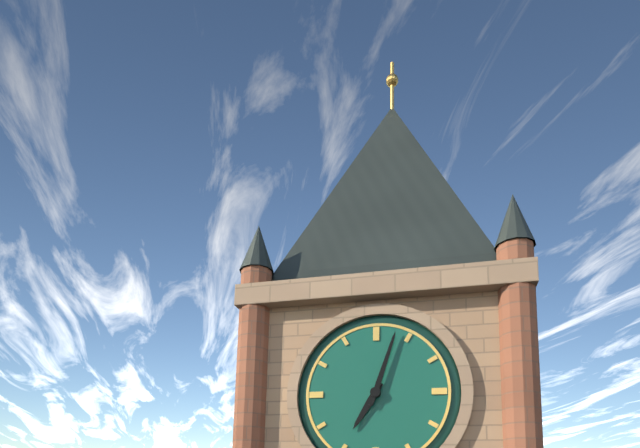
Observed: 7:03
